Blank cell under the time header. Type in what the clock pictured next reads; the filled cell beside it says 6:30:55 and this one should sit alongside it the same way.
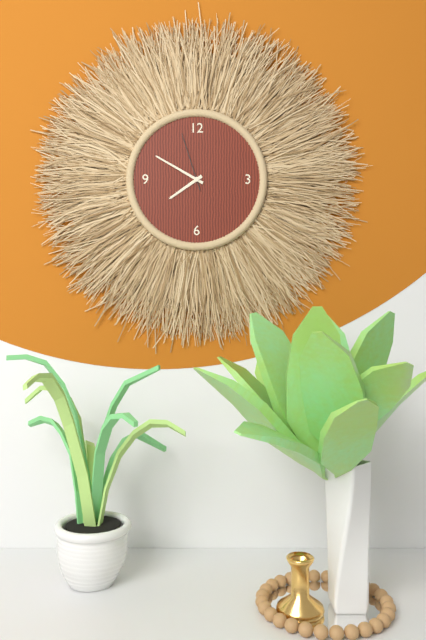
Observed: 7:50:57
